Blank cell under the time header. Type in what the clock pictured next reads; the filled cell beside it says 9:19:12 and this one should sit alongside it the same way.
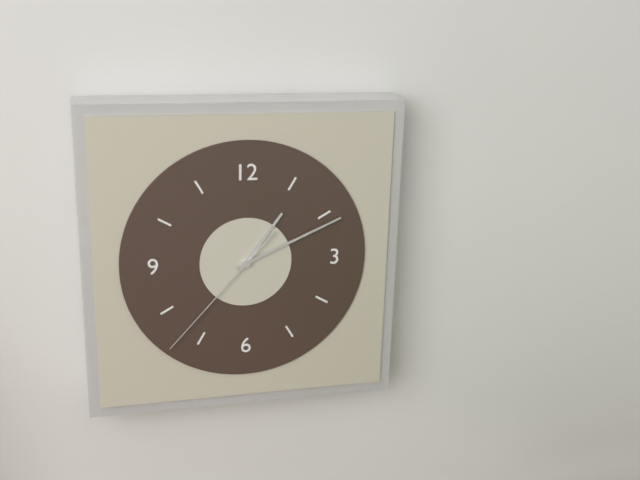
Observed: 1:11:37
